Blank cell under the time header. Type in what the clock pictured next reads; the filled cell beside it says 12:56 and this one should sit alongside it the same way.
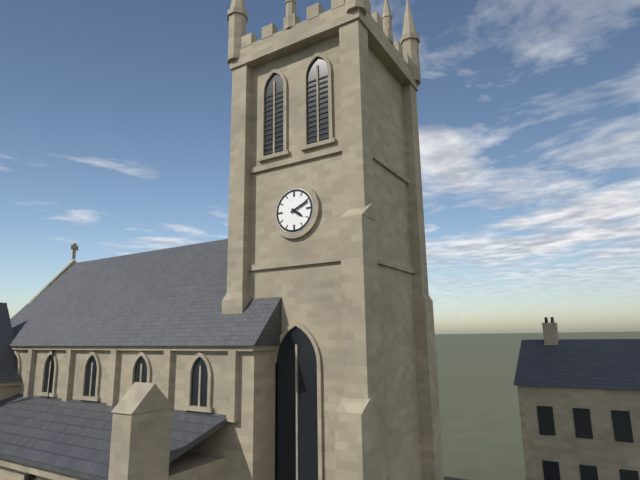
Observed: 4:11
